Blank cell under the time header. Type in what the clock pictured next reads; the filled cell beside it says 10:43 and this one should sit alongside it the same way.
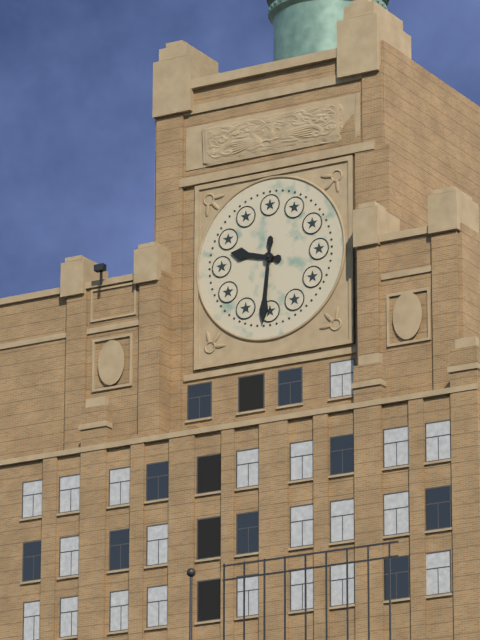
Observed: 9:31
